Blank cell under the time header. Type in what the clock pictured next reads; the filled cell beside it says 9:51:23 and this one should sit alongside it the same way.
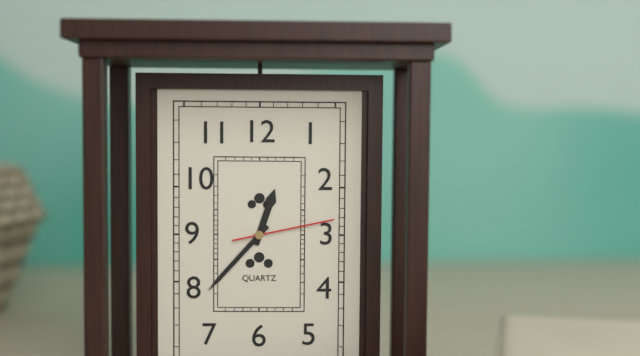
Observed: 12:37:13
